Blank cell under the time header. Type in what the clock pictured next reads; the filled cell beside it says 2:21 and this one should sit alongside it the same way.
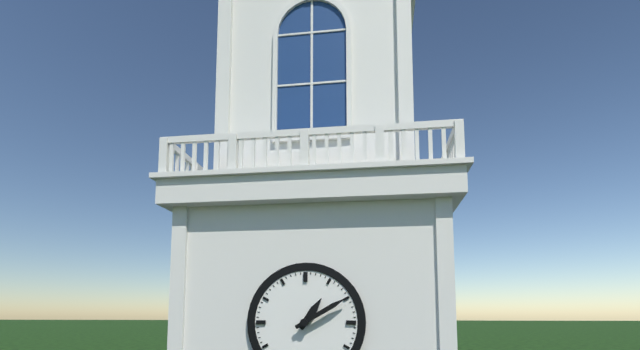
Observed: 1:10
